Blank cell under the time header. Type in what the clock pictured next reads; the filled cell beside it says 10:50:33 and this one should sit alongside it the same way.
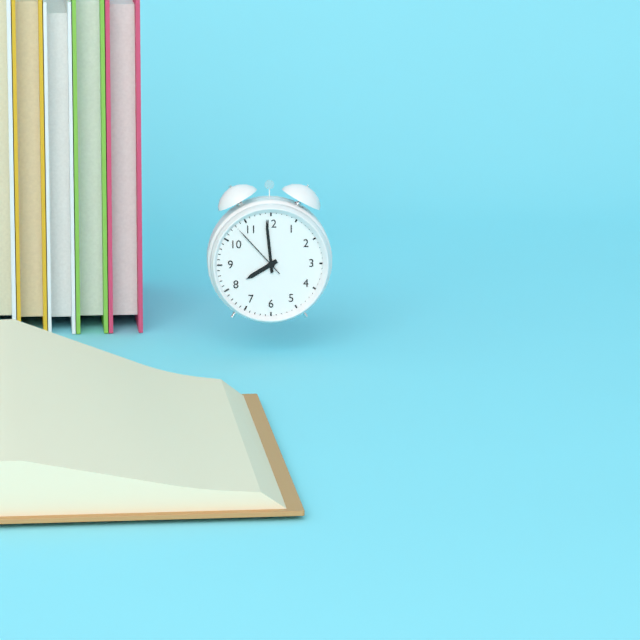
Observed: 7:59:53
